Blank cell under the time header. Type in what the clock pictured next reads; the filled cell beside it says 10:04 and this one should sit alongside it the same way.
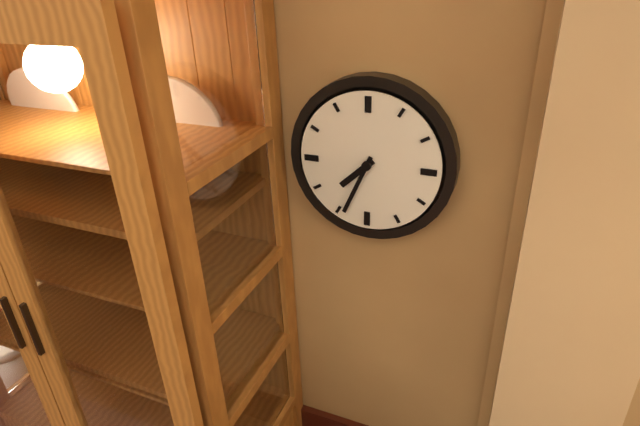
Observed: 7:34
